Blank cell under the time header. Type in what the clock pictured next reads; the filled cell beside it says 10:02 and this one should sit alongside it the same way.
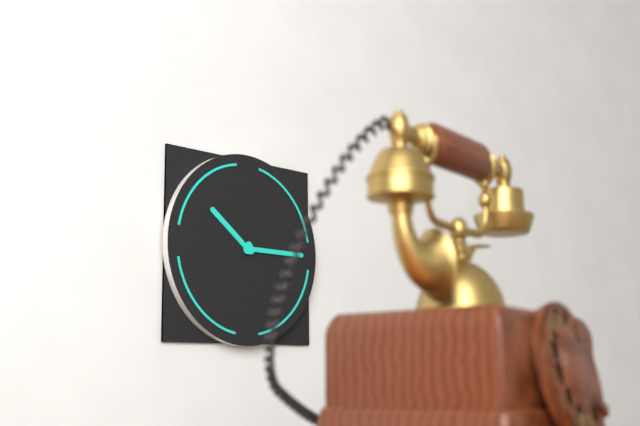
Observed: 10:15
